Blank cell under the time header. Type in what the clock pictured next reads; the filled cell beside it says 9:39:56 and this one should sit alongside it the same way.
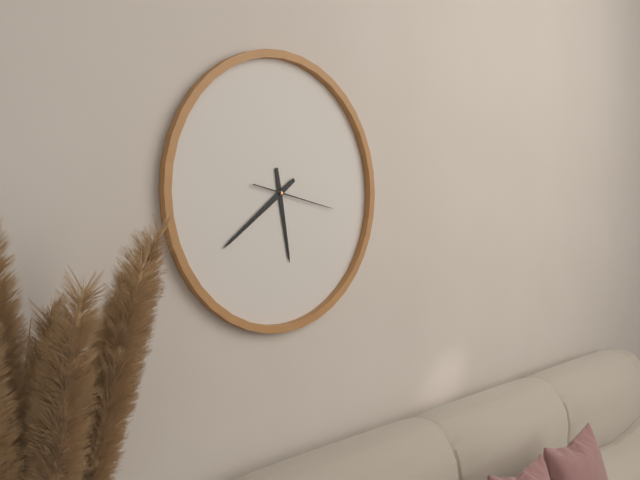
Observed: 5:39:17
